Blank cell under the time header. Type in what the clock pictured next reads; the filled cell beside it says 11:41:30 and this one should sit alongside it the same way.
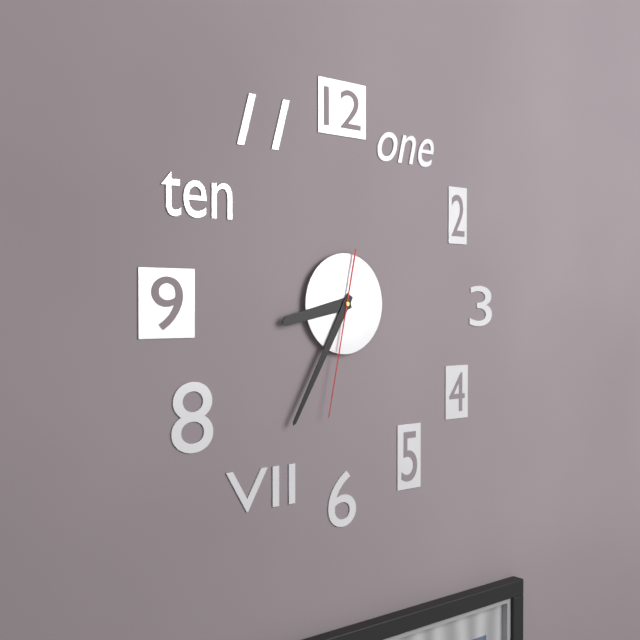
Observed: 8:35:32
